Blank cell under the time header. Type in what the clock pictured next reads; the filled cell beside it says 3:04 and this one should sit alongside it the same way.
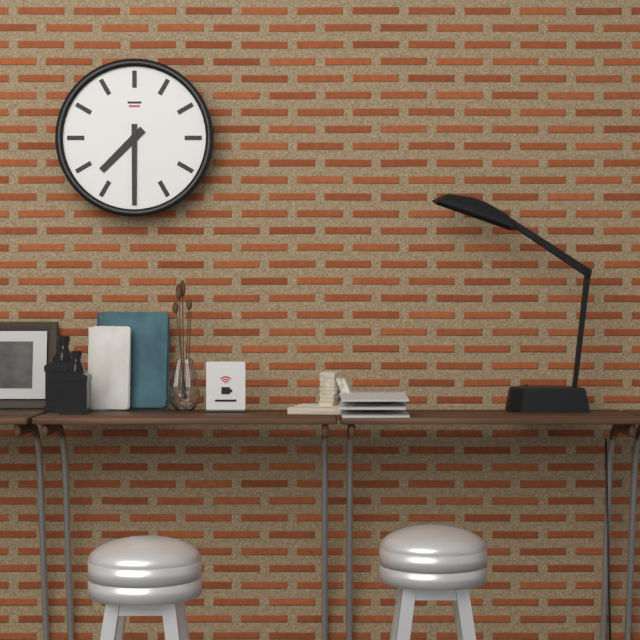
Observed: 7:30
